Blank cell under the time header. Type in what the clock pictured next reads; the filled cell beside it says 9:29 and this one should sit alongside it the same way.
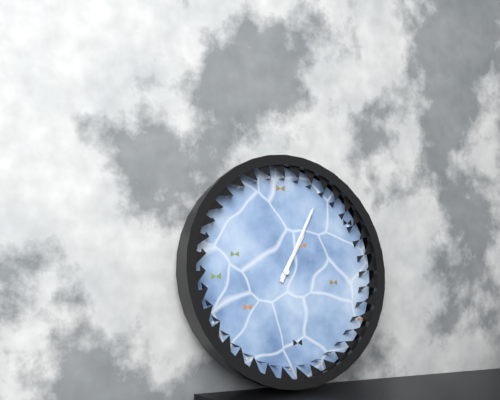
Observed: 1:05
